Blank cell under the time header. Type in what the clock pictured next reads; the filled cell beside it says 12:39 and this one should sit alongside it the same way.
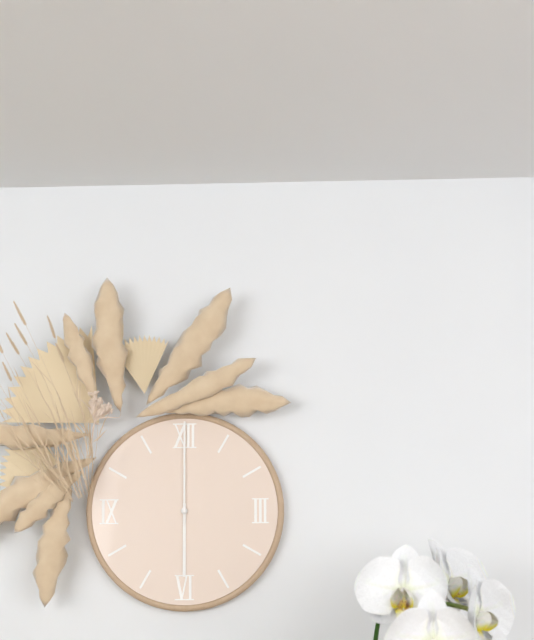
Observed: 6:00
